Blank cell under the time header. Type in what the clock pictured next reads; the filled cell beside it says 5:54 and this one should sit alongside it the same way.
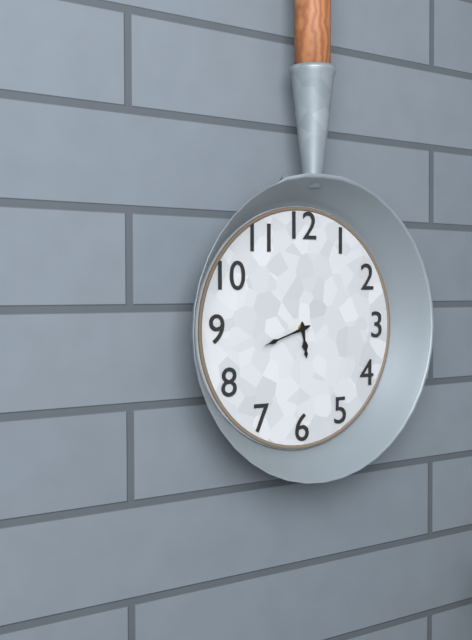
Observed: 5:42
